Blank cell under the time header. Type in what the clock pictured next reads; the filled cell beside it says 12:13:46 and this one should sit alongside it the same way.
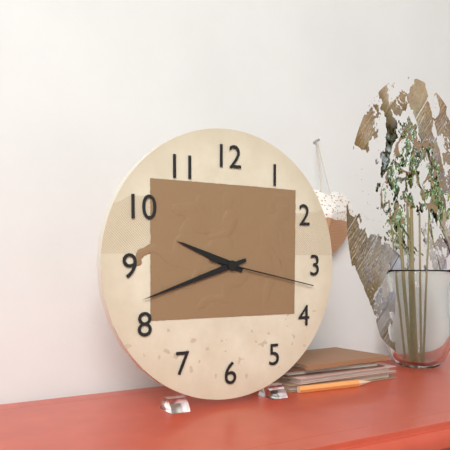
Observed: 9:42:17
